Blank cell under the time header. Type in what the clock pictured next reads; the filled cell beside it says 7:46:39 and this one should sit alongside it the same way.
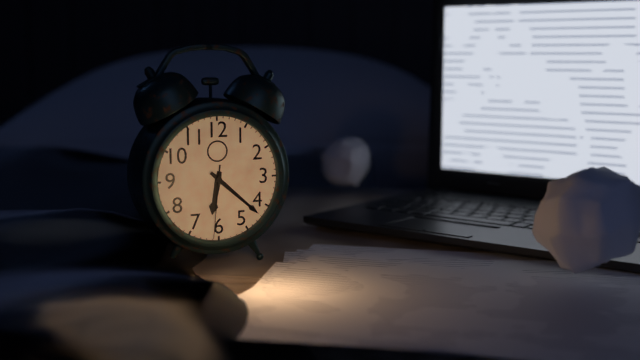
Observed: 6:22:31
